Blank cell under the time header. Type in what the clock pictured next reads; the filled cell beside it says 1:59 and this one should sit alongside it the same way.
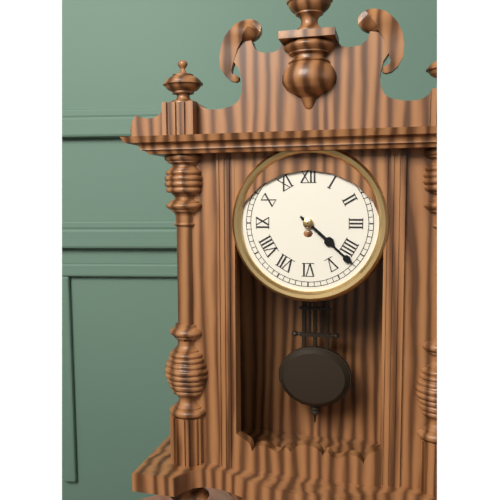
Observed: 4:22
